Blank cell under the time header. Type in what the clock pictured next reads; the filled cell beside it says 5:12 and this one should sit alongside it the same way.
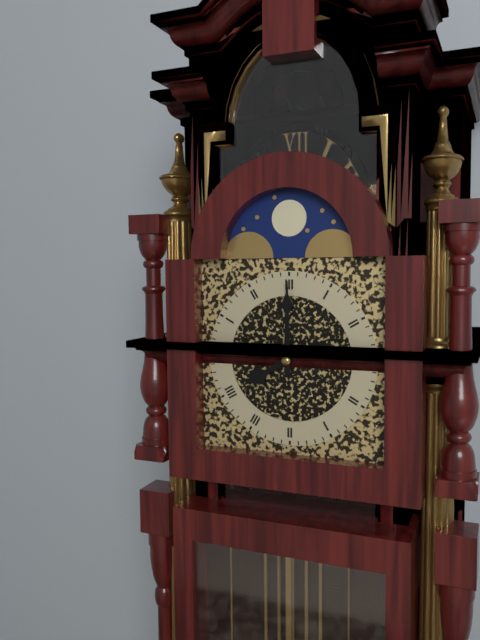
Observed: 8:00
